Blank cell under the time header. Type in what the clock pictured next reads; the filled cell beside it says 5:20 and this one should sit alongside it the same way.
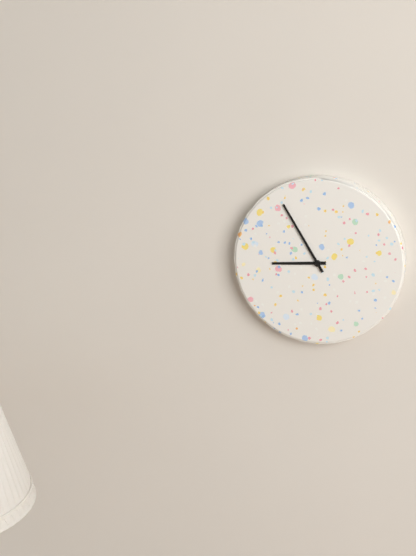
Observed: 8:55
